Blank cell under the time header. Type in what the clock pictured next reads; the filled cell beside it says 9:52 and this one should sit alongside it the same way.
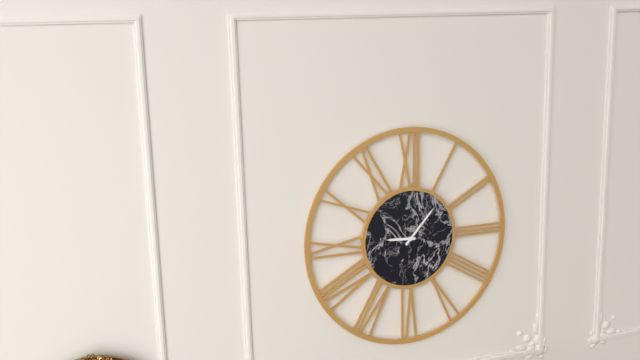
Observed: 9:07
